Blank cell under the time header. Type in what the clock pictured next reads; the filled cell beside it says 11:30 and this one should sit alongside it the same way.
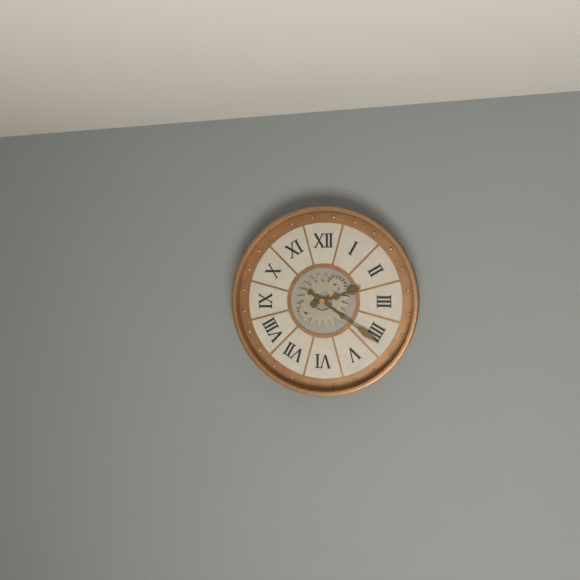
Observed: 2:21
